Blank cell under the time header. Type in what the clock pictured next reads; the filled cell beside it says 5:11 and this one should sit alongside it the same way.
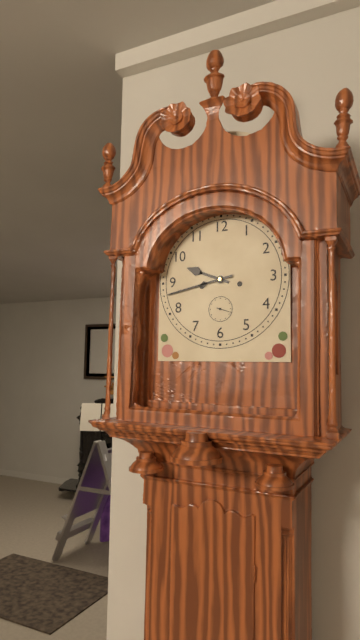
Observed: 9:43
